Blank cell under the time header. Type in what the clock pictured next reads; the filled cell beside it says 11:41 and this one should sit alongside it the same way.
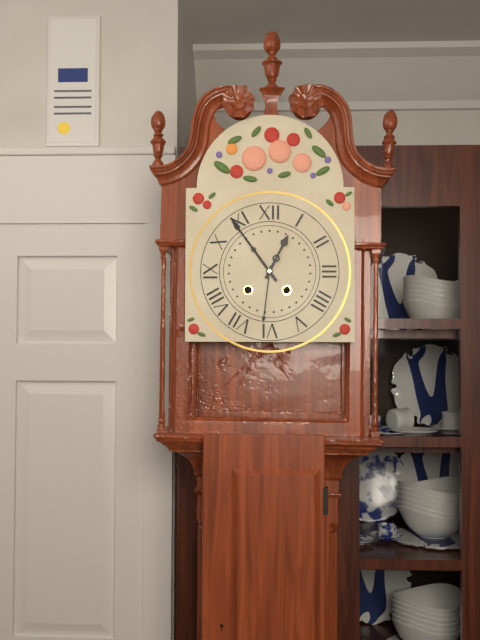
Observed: 12:54
